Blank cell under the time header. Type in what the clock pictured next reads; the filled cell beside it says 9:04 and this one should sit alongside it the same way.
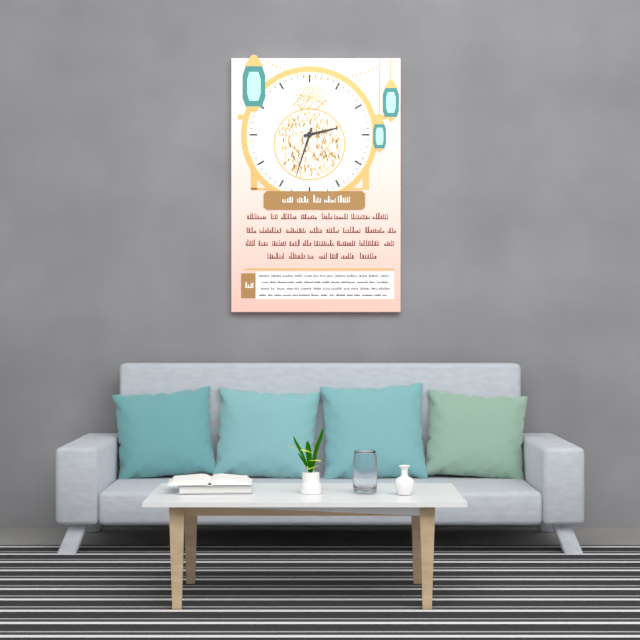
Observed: 2:33
